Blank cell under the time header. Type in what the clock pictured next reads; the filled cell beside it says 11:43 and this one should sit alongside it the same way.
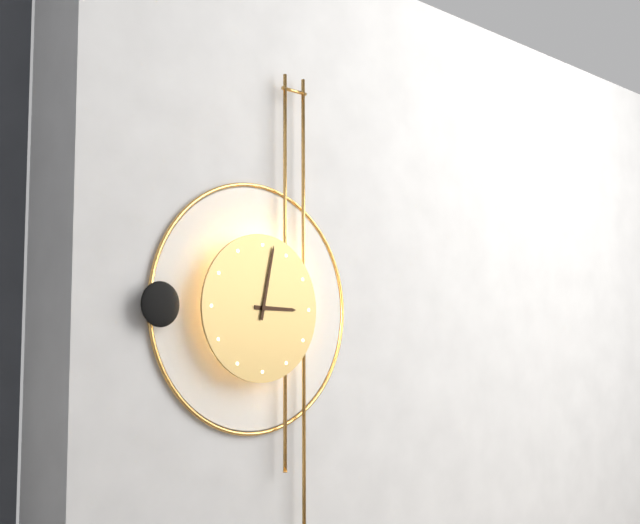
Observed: 3:02
